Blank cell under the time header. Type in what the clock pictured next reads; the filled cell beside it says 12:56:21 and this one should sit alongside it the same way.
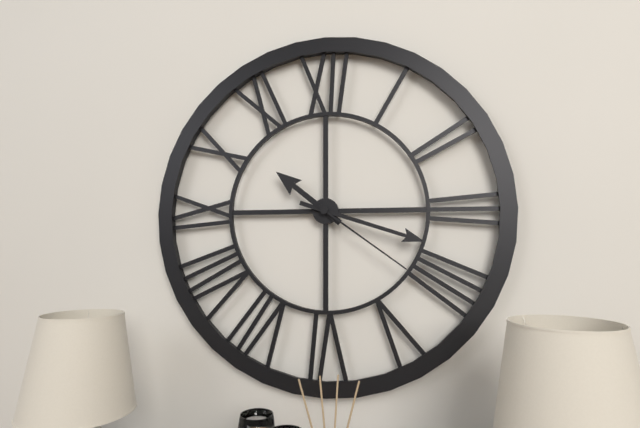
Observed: 10:18:21
